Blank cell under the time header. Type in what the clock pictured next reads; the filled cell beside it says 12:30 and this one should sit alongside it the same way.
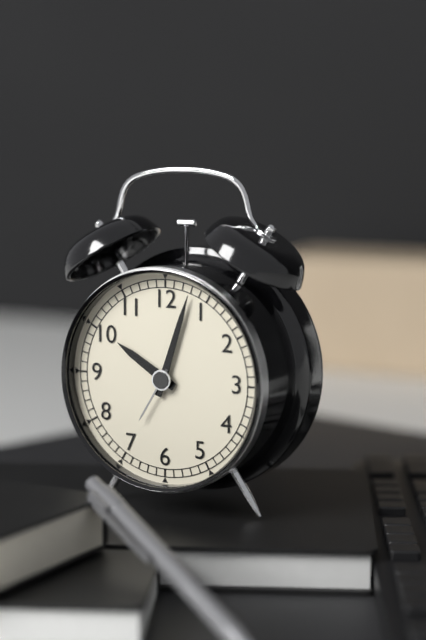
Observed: 10:03
